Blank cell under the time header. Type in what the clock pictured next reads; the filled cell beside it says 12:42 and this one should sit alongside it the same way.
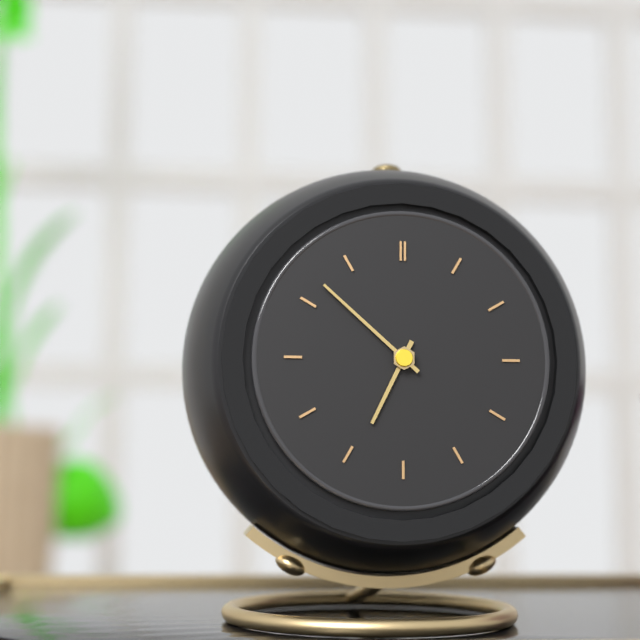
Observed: 6:52
